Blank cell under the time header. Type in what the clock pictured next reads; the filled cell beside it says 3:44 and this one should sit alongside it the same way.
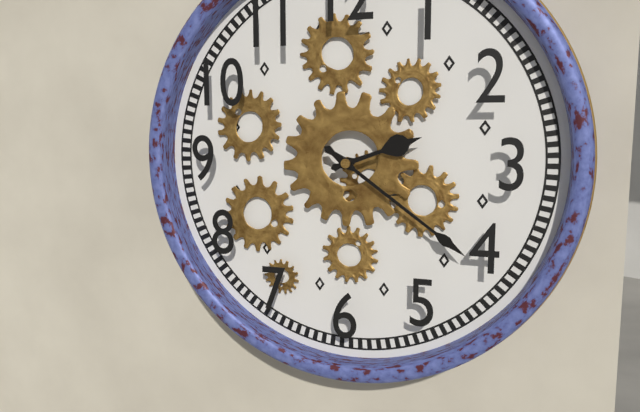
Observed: 2:21
